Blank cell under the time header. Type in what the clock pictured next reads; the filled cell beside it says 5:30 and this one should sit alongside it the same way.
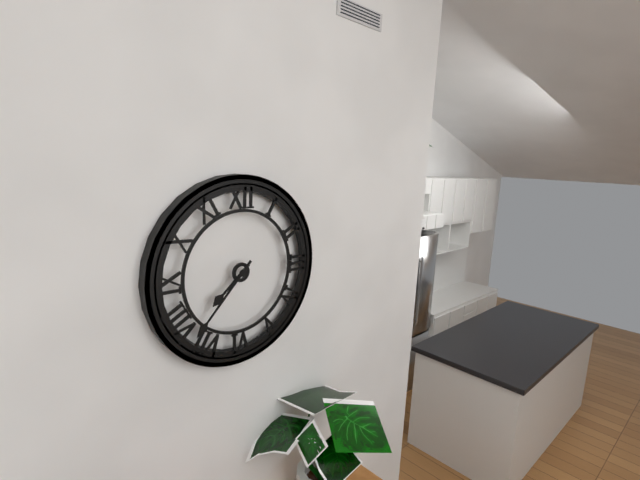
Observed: 7:37
